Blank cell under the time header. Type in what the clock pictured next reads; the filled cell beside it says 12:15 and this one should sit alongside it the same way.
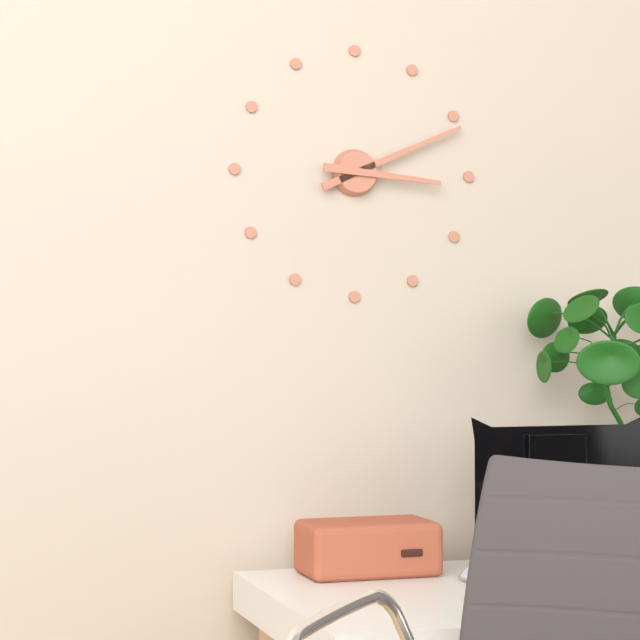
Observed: 3:11
